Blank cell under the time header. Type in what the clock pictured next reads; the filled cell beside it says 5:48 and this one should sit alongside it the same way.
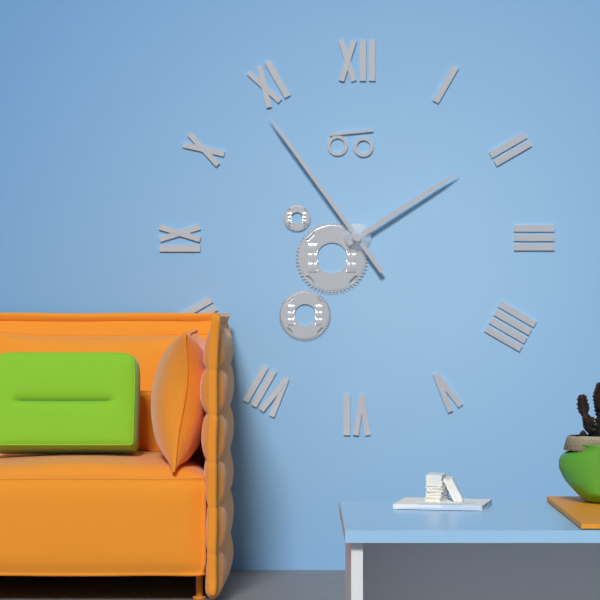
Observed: 1:54
